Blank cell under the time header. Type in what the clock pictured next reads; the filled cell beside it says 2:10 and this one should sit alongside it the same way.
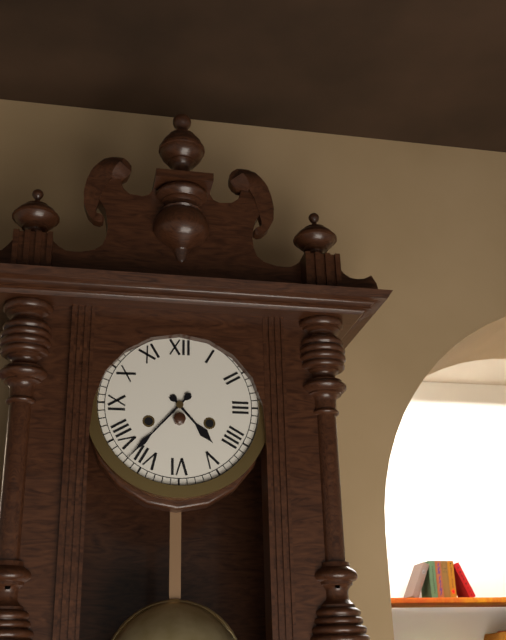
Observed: 4:37
